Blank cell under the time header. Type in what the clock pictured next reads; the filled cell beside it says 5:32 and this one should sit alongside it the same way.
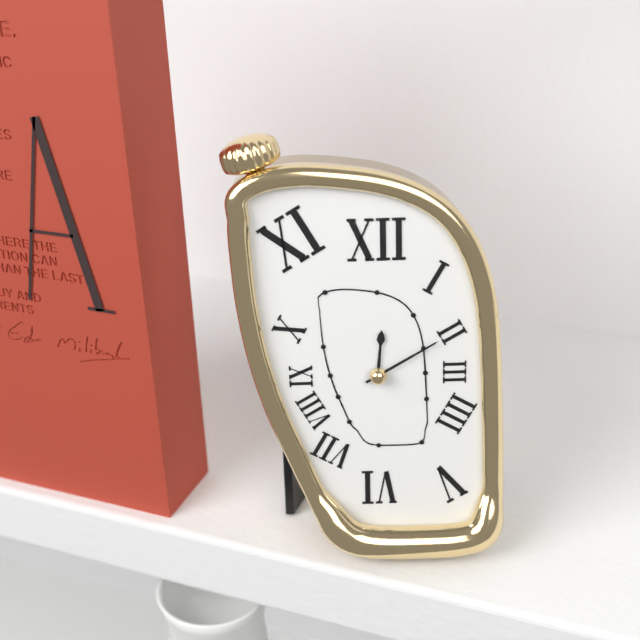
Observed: 12:10
